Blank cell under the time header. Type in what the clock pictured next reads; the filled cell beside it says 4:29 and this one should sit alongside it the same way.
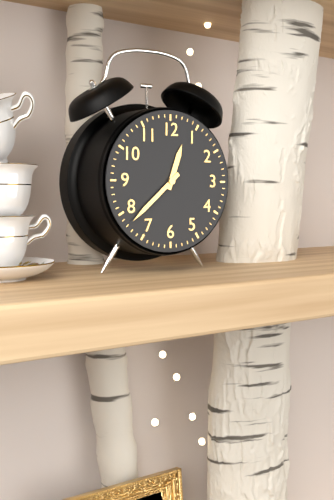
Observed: 12:38
